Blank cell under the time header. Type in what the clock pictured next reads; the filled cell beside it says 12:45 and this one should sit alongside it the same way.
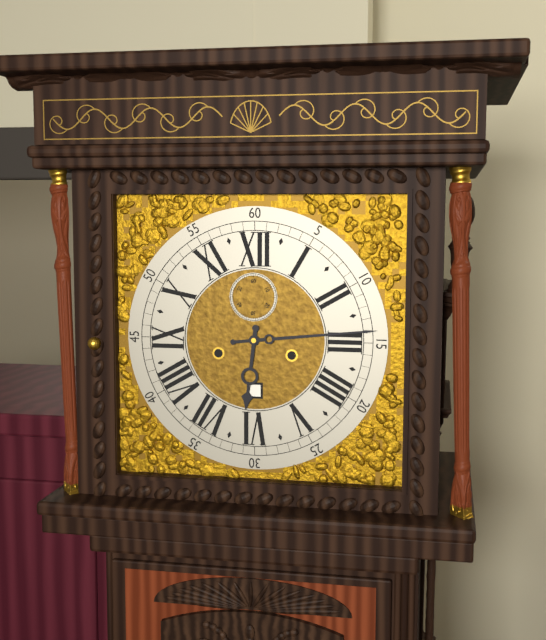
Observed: 6:14
